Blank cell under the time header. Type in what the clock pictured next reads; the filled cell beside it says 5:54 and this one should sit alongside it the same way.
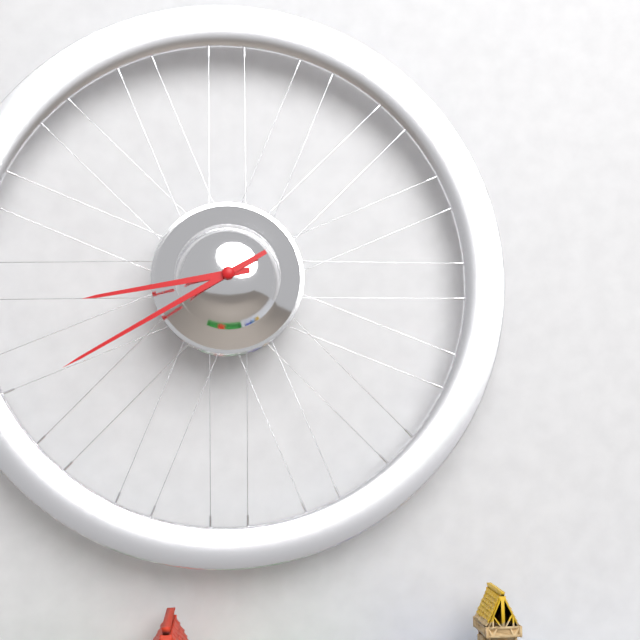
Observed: 8:40
